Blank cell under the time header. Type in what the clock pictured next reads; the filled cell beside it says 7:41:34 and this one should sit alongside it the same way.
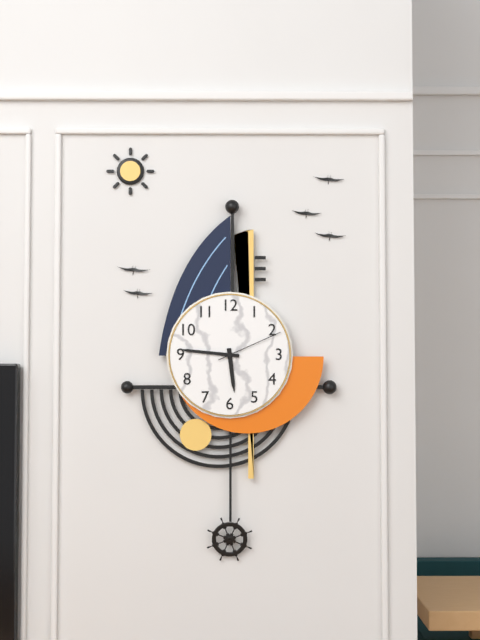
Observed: 5:46:11
